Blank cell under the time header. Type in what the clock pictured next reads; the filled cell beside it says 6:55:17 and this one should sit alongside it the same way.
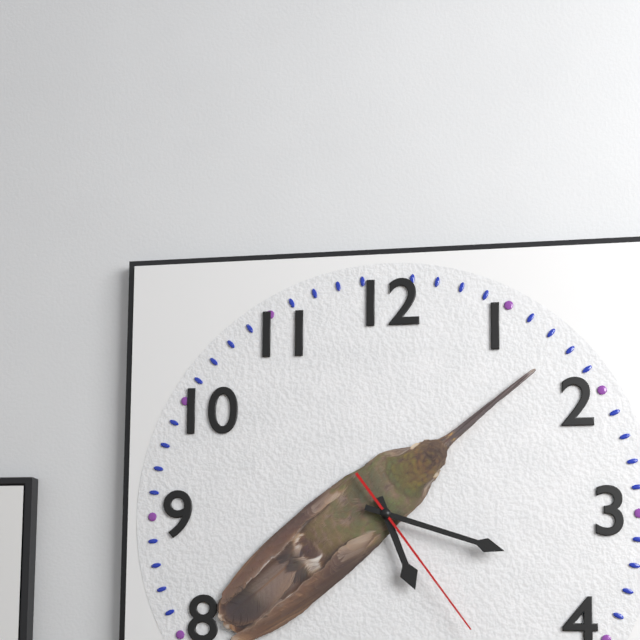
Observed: 5:18:24
